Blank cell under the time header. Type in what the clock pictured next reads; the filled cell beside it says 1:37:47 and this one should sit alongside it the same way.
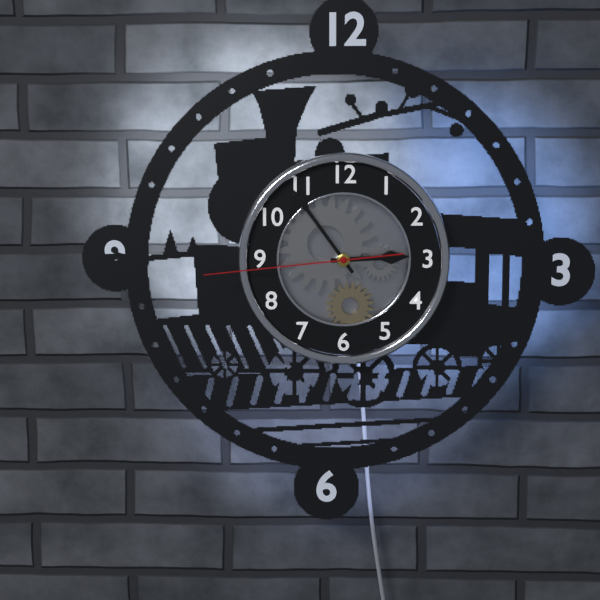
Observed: 2:54:44
